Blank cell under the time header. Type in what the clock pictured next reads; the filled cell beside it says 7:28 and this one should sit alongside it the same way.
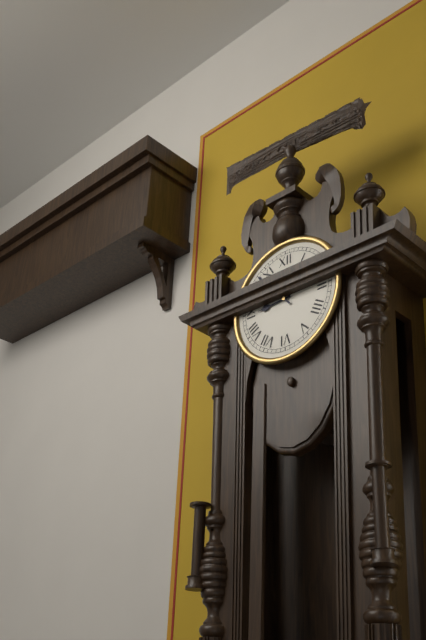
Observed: 8:53
